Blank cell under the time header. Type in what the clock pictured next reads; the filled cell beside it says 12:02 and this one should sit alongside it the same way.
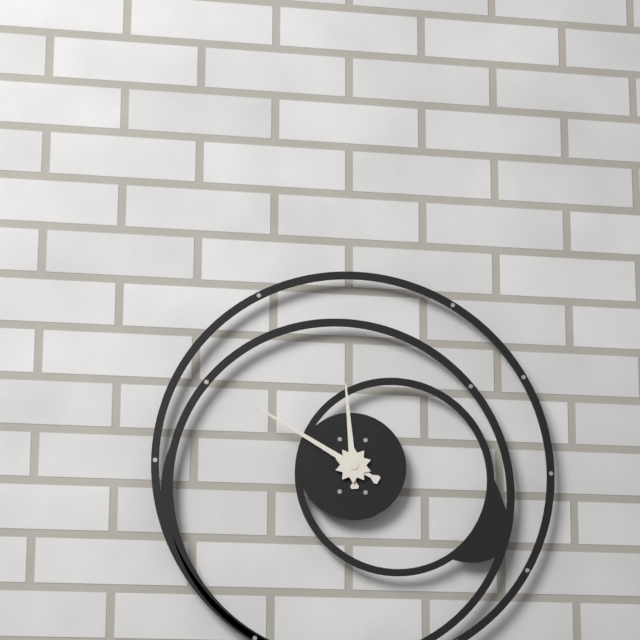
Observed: 11:50
